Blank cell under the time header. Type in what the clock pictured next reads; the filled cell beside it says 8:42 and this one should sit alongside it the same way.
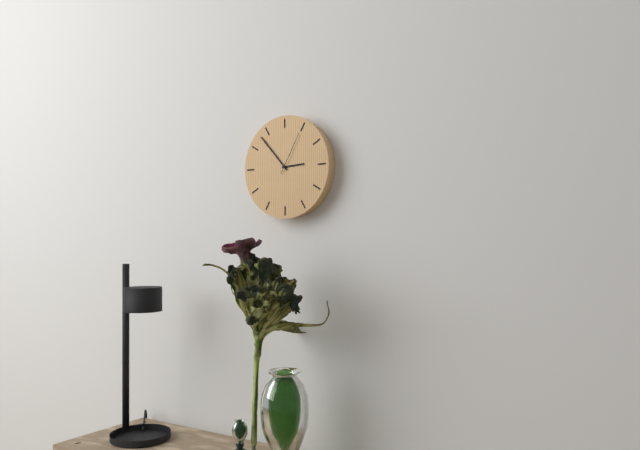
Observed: 2:53
